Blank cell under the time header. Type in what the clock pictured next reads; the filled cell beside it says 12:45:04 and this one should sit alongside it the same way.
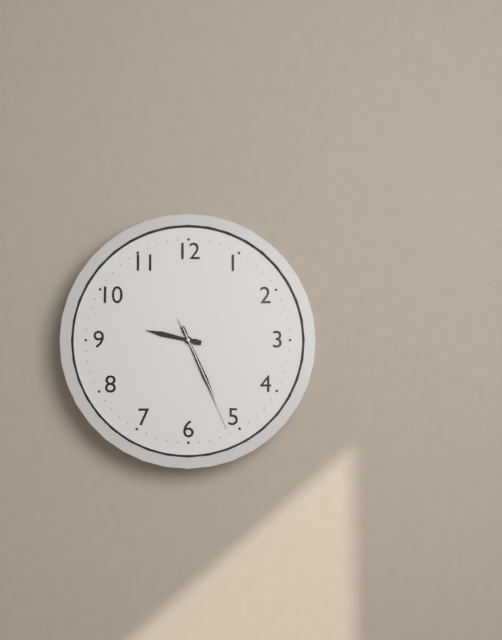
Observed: 9:26:26
